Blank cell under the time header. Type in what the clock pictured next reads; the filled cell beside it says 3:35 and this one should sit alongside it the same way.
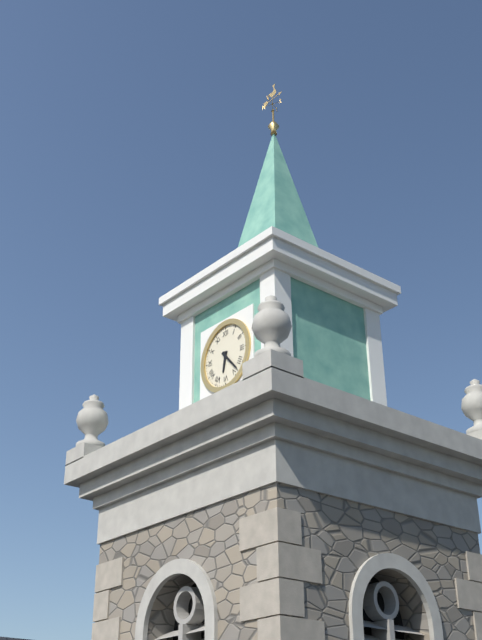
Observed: 6:23
